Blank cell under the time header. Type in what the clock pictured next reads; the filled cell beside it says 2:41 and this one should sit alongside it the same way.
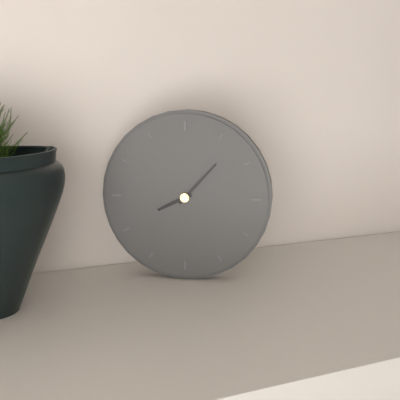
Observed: 8:07
